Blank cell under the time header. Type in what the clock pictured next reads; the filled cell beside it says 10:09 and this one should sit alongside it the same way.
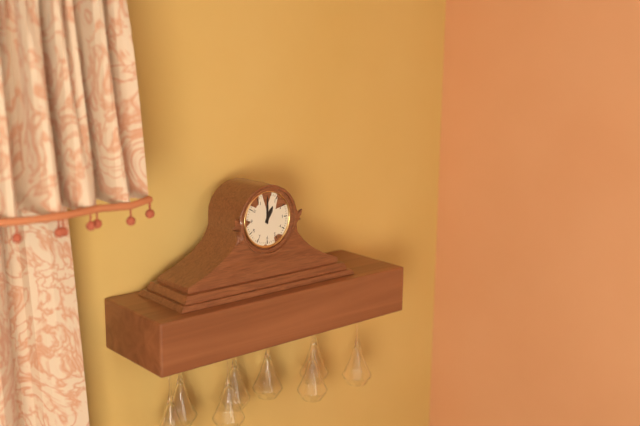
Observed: 1:00
